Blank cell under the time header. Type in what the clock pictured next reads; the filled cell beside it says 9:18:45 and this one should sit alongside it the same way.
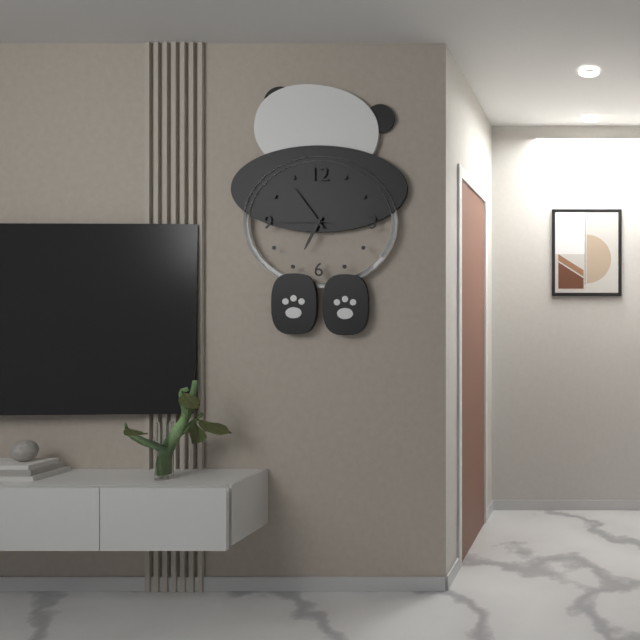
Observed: 6:54:45
